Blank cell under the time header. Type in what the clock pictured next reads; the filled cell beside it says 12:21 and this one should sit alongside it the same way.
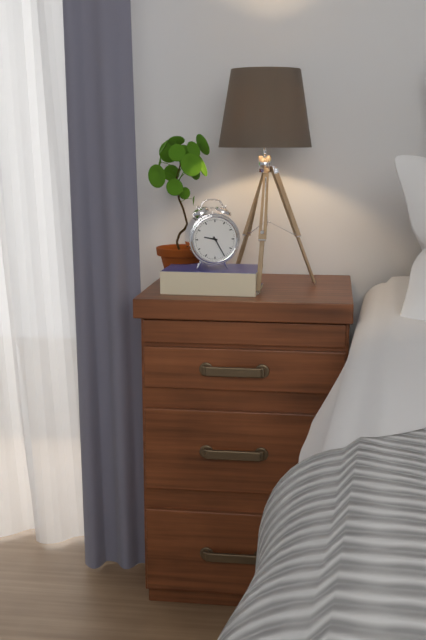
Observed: 9:25
